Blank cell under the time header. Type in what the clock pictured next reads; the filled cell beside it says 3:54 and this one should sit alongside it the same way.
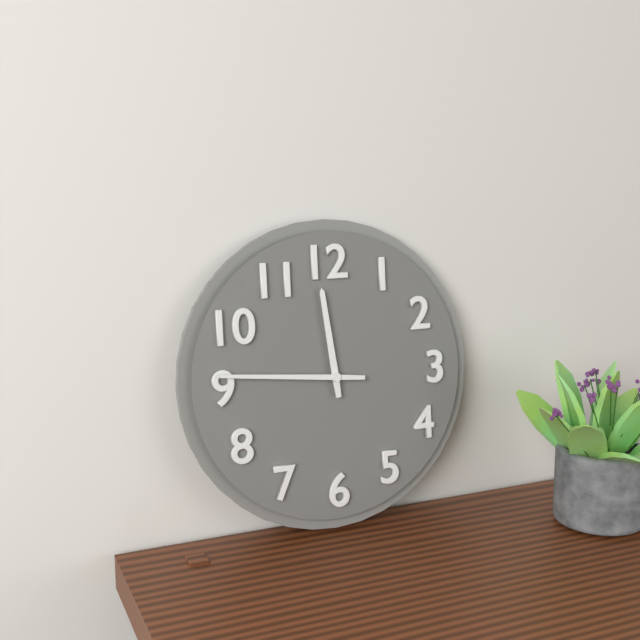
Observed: 11:46
